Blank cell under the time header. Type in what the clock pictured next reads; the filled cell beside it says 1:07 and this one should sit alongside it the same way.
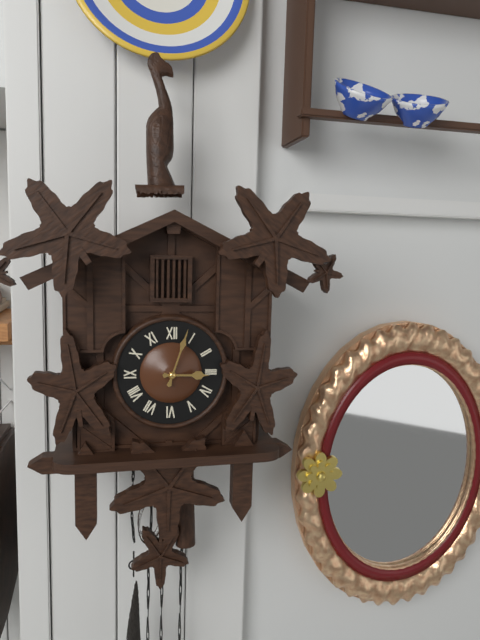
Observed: 3:03
